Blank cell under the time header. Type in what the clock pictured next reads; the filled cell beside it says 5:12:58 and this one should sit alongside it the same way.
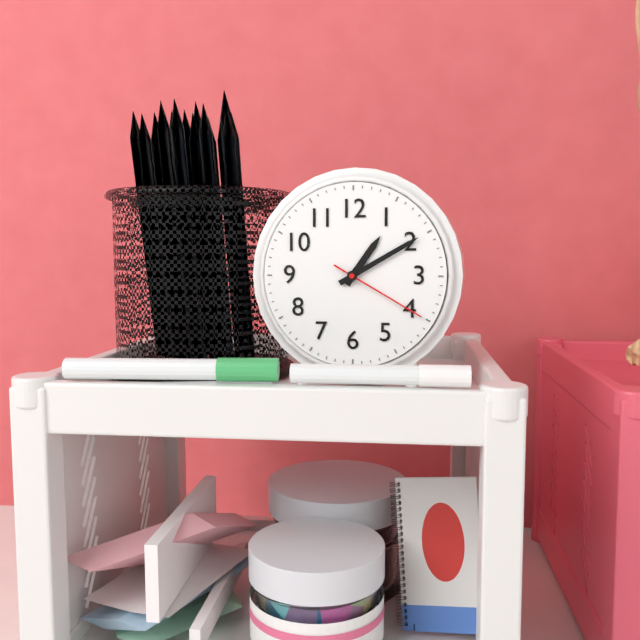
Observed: 1:10:20
